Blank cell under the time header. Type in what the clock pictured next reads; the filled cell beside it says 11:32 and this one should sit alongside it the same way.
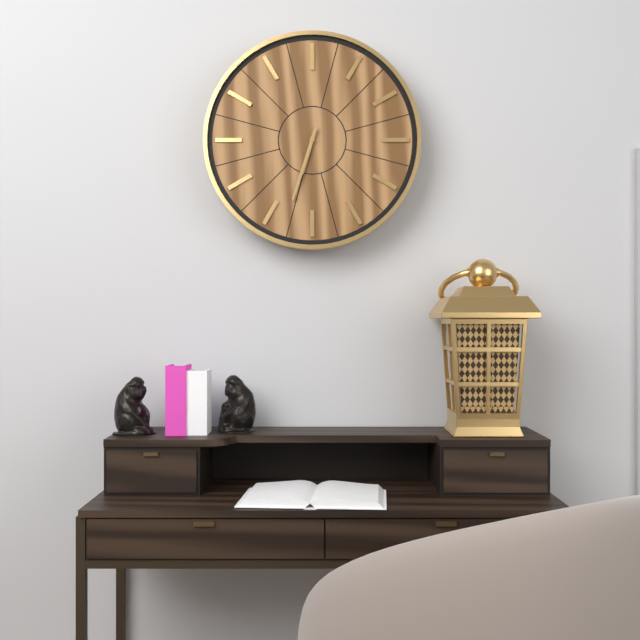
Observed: 6:33
